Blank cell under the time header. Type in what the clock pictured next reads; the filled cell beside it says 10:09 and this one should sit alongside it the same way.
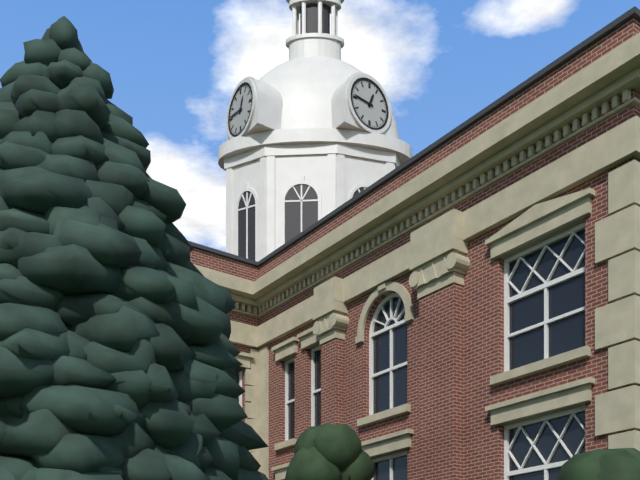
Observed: 12:46
